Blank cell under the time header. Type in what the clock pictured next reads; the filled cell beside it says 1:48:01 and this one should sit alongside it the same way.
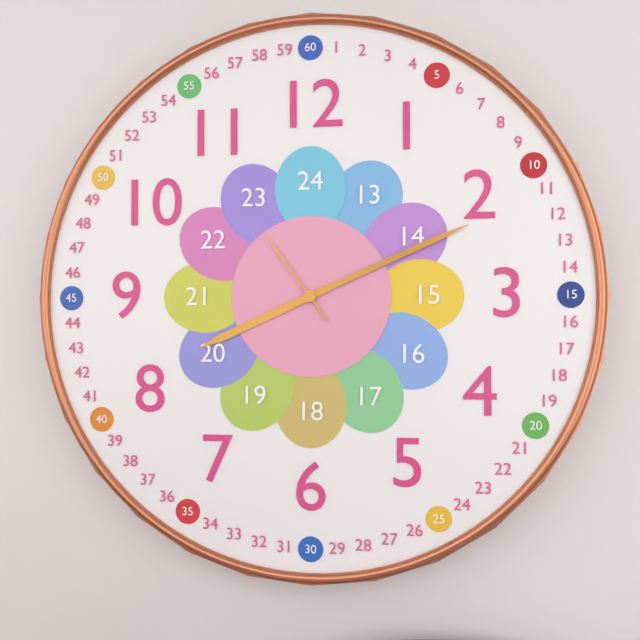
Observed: 8:11:54
